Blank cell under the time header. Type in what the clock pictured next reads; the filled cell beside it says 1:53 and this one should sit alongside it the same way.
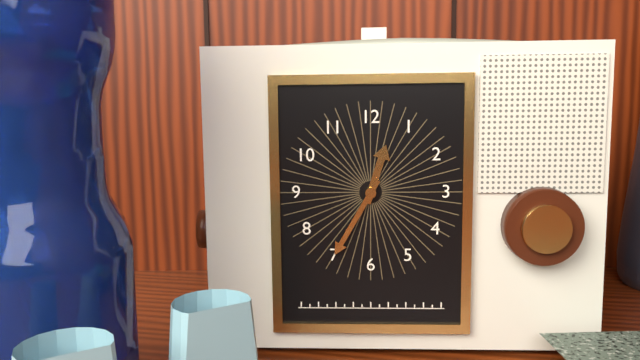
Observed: 12:35
